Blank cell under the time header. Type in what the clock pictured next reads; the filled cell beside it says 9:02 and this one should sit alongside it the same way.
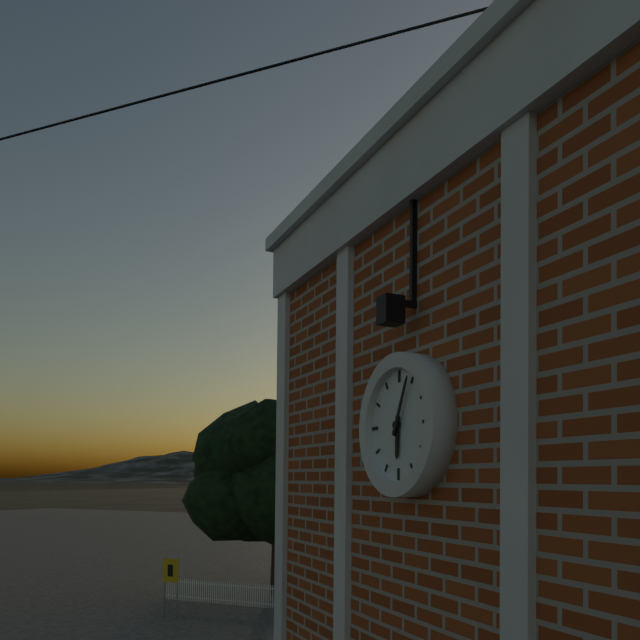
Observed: 6:04
